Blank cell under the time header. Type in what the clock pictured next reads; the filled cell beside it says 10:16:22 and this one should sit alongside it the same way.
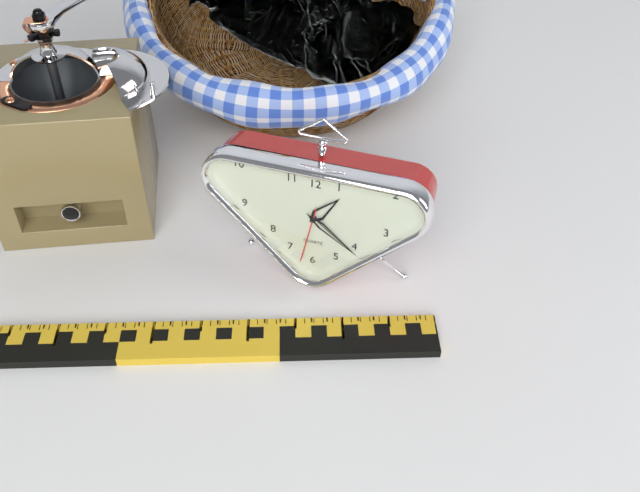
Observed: 1:21:32
